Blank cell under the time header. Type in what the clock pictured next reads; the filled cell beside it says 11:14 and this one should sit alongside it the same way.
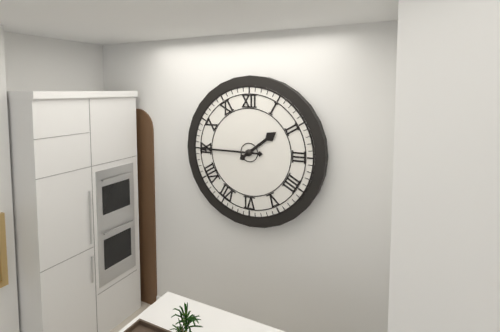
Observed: 1:45
